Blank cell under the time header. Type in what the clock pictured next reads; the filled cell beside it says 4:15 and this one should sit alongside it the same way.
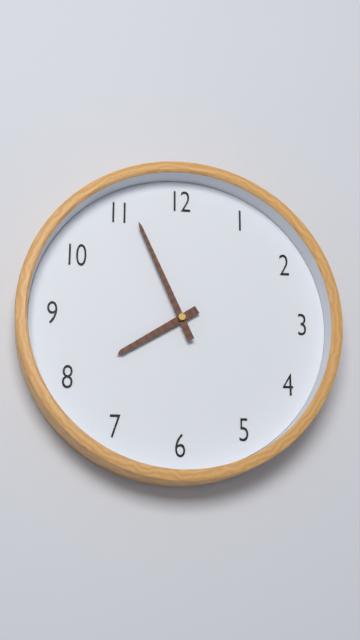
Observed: 7:56
